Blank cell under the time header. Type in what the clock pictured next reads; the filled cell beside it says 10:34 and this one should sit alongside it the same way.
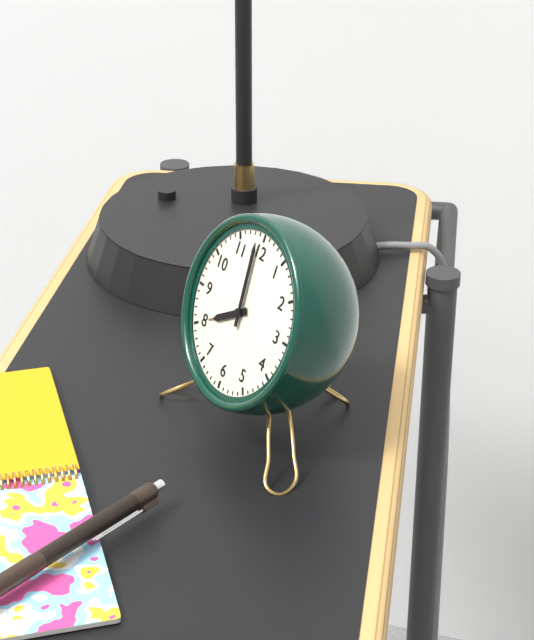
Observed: 7:59
